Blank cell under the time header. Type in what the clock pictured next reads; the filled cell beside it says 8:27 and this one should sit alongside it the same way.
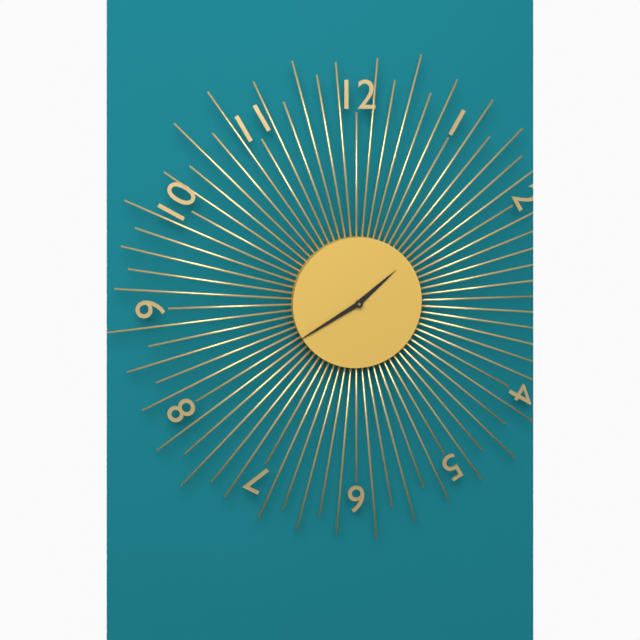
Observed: 1:40
